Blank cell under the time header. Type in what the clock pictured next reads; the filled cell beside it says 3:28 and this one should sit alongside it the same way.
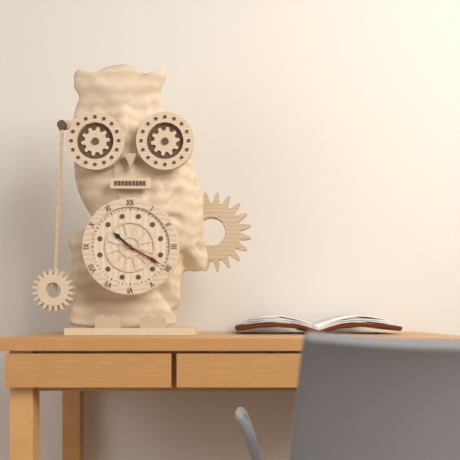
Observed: 10:20
